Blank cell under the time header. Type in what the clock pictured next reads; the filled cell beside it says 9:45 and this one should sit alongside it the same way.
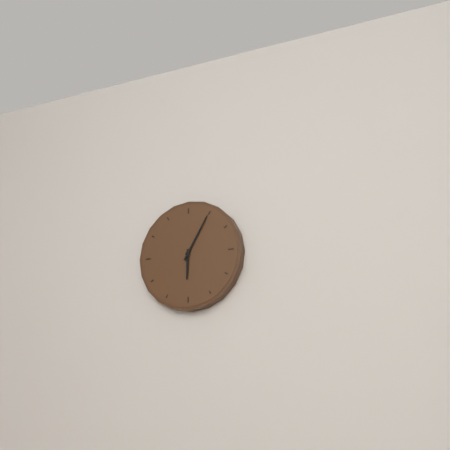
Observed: 6:05
